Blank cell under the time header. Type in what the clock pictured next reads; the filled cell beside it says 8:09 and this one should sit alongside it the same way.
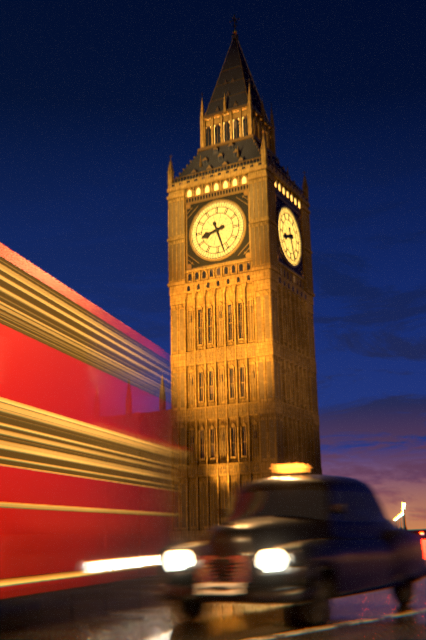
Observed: 8:27
